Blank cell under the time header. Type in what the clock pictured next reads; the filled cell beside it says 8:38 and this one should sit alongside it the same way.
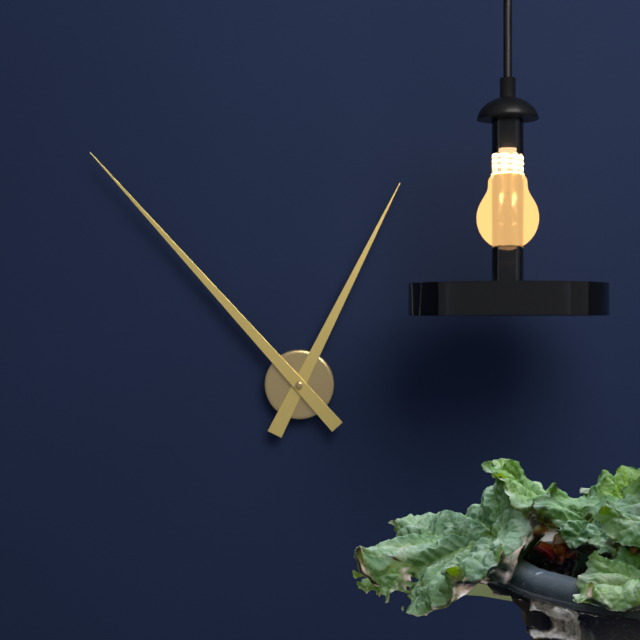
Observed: 12:53
